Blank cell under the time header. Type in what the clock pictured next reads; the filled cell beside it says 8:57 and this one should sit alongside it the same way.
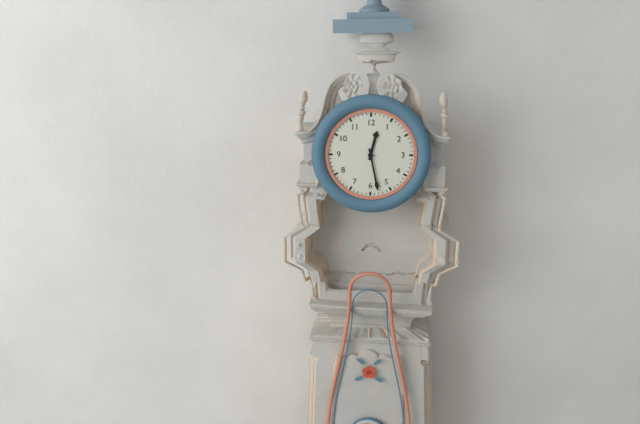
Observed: 12:28
